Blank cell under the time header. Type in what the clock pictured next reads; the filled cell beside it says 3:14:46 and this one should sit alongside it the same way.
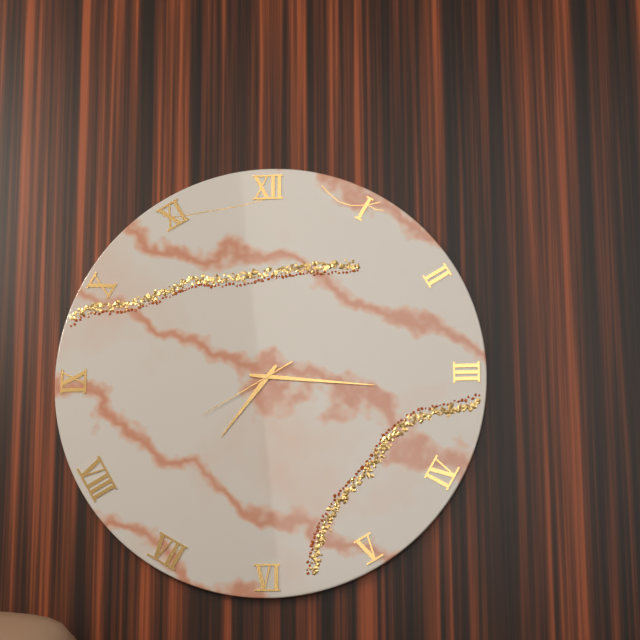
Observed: 7:16:40
